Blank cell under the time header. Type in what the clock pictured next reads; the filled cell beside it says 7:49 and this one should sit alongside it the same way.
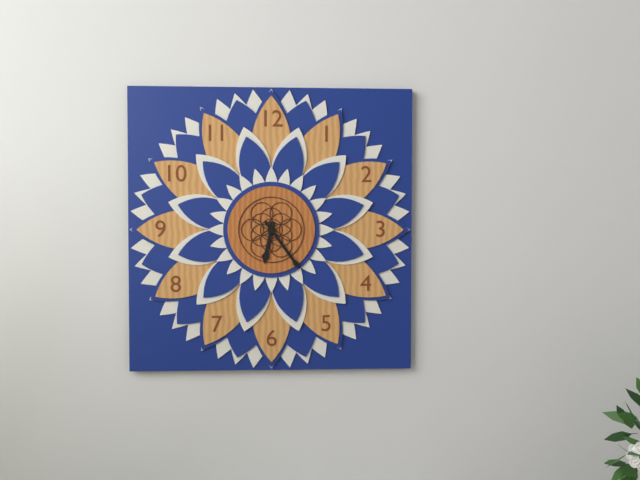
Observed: 6:24
